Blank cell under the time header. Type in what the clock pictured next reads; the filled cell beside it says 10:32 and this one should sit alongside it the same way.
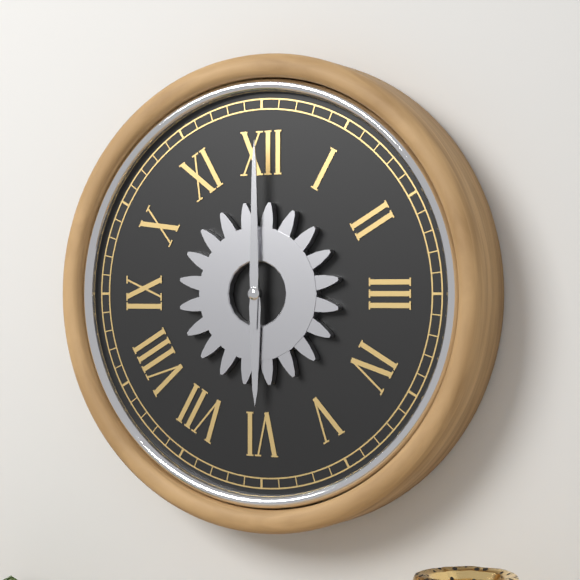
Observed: 6:00
